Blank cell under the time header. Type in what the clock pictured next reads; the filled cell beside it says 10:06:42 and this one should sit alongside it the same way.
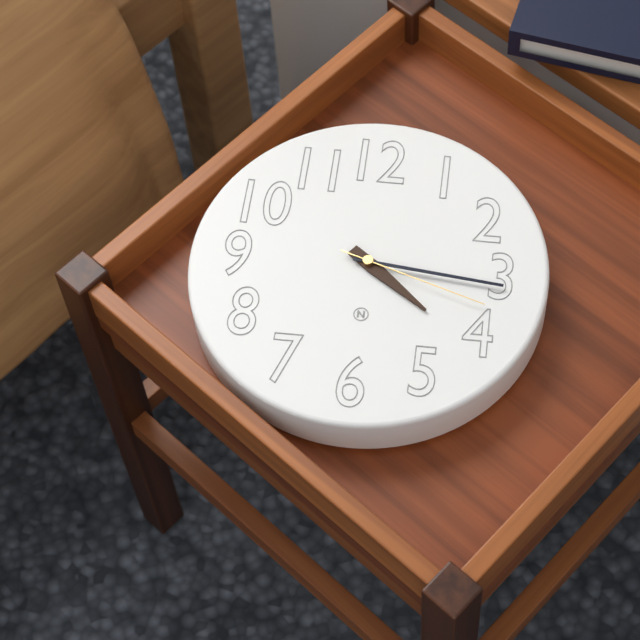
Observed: 4:16:18
